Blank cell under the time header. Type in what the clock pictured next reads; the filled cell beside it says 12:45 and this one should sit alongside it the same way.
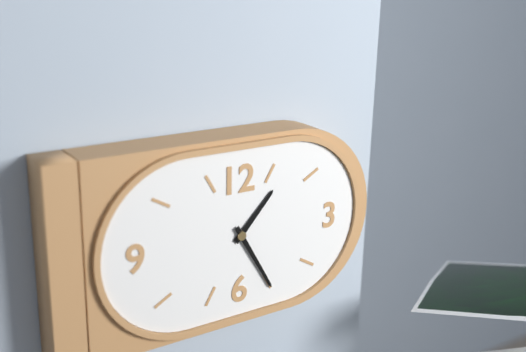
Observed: 1:25
